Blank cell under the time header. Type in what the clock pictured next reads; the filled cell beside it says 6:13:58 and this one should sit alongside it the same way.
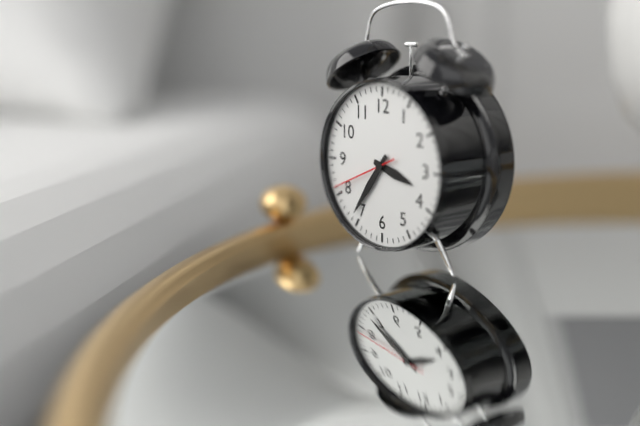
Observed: 3:36:41
